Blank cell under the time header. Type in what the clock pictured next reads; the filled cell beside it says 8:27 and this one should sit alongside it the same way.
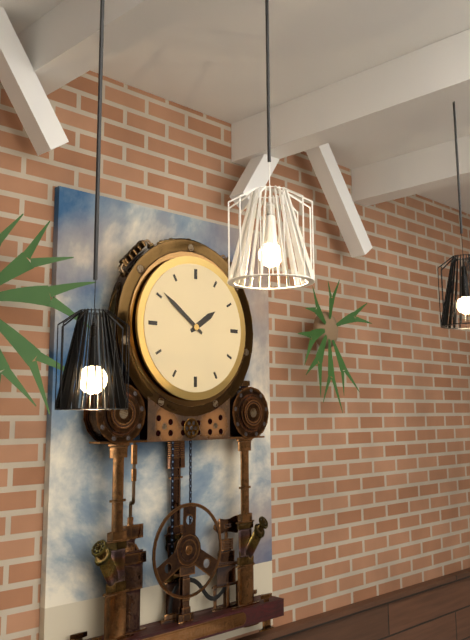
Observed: 1:51
